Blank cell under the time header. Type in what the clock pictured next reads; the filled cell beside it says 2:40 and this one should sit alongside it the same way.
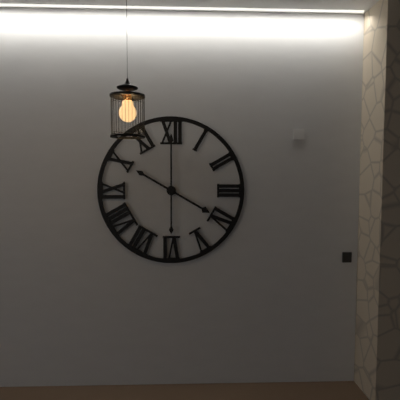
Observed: 4:00
